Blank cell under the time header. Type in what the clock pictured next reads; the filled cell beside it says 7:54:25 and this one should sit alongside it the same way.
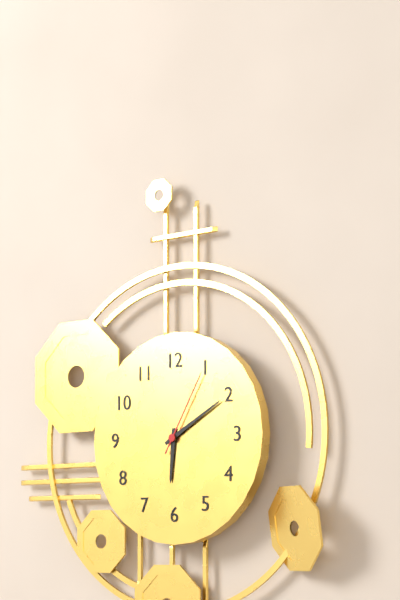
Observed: 6:10:05
